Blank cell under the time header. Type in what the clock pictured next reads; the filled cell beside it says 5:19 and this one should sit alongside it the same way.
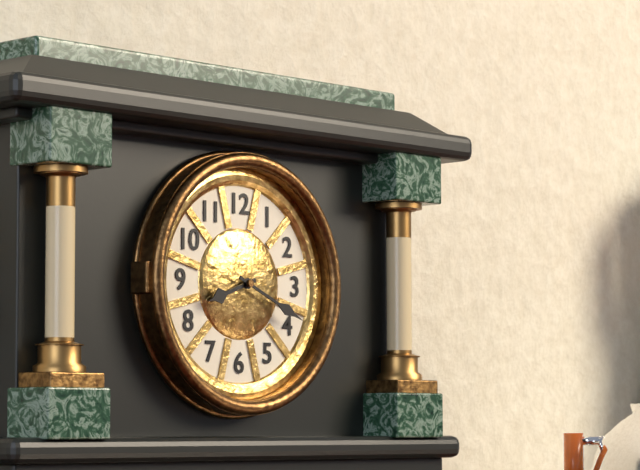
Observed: 8:19
